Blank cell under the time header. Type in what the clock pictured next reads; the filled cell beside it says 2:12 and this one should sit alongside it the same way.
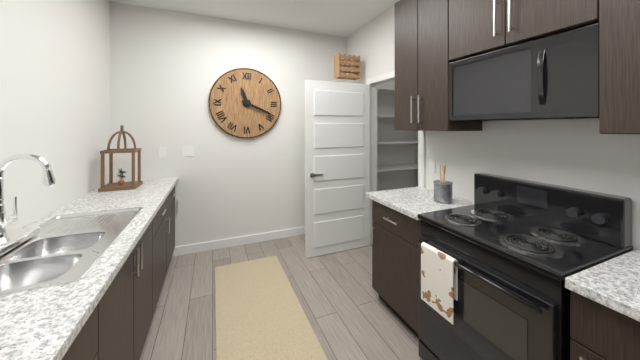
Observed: 11:19
